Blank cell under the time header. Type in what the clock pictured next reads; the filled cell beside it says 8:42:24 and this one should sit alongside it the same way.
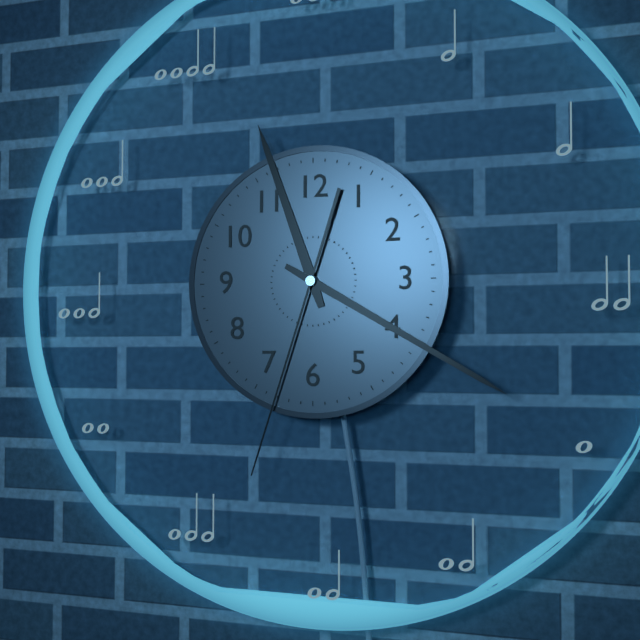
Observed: 11:20:33
